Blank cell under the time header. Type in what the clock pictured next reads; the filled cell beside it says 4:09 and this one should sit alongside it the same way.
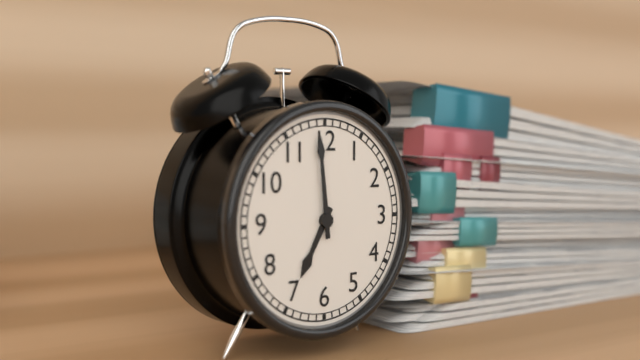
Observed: 6:59
